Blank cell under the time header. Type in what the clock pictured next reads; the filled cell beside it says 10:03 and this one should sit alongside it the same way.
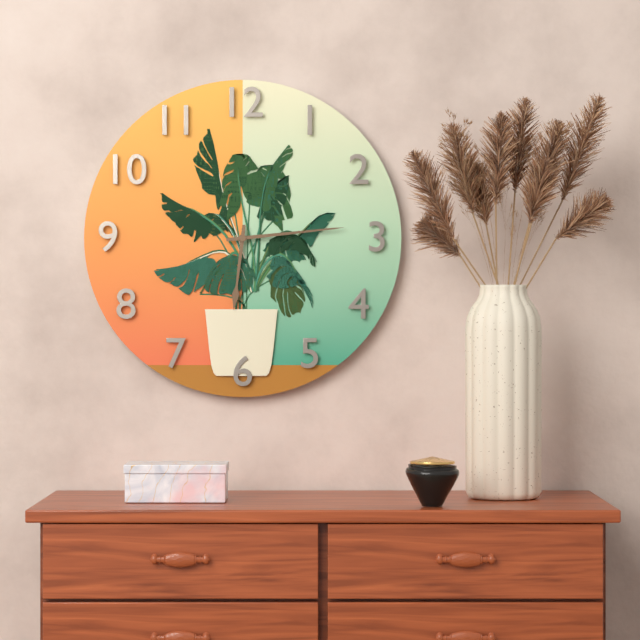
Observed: 6:14
